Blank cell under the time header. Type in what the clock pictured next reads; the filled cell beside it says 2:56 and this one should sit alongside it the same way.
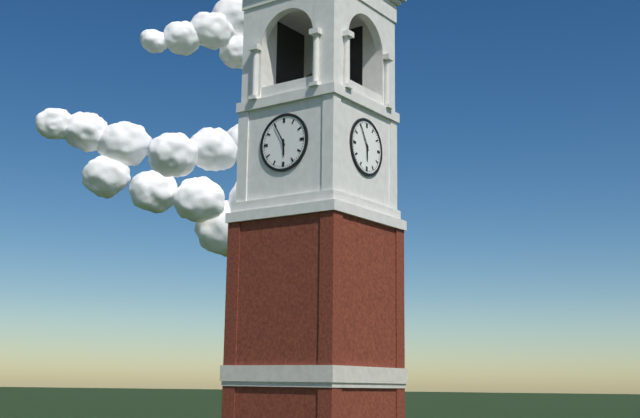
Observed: 5:55
